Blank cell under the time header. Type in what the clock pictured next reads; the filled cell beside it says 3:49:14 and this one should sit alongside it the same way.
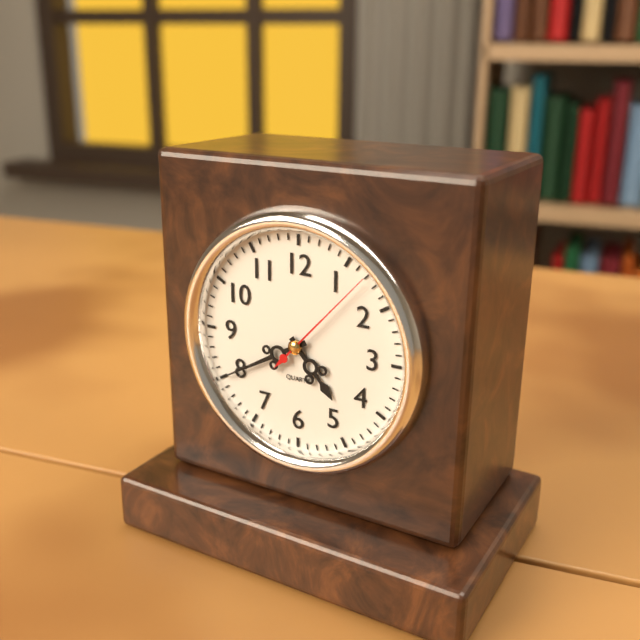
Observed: 4:40:07
